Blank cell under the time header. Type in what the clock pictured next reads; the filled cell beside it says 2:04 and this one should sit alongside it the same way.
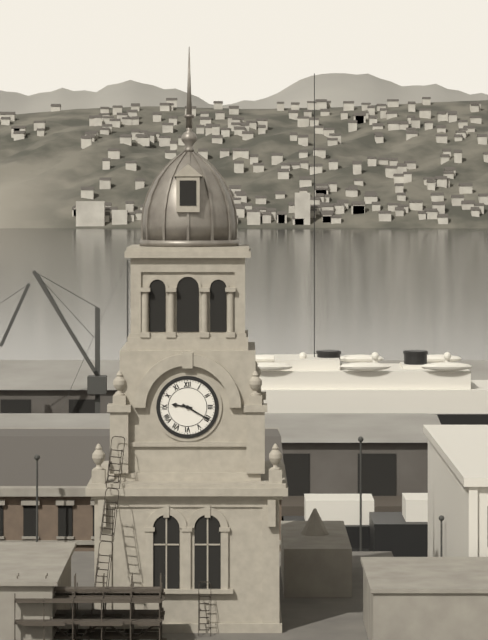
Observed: 9:20
